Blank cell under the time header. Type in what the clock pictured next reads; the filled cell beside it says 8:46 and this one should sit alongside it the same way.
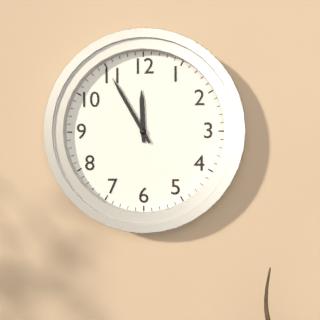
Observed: 11:55
